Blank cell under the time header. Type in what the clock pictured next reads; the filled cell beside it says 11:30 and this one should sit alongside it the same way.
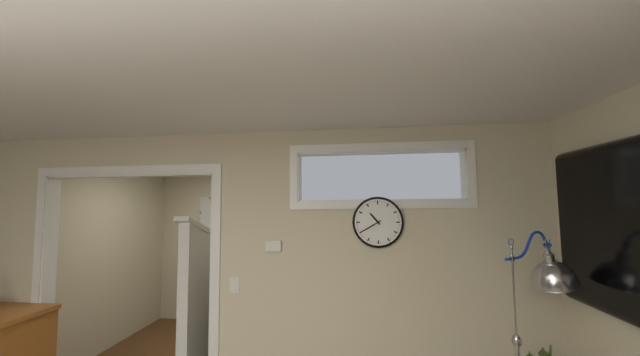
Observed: 10:40
